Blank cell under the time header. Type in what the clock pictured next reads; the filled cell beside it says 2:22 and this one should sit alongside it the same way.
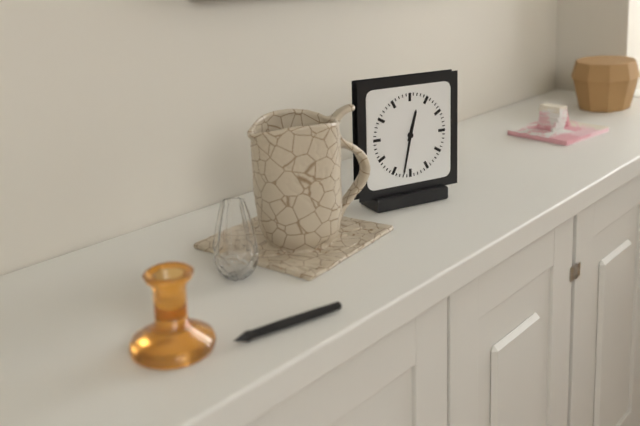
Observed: 12:32
